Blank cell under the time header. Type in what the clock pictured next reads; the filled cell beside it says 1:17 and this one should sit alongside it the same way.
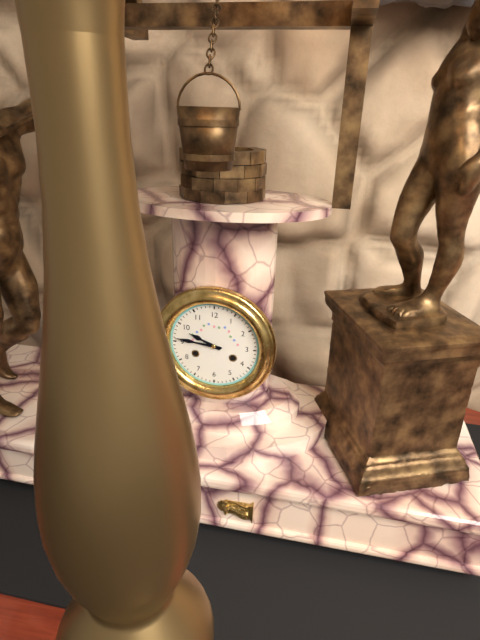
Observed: 9:46
